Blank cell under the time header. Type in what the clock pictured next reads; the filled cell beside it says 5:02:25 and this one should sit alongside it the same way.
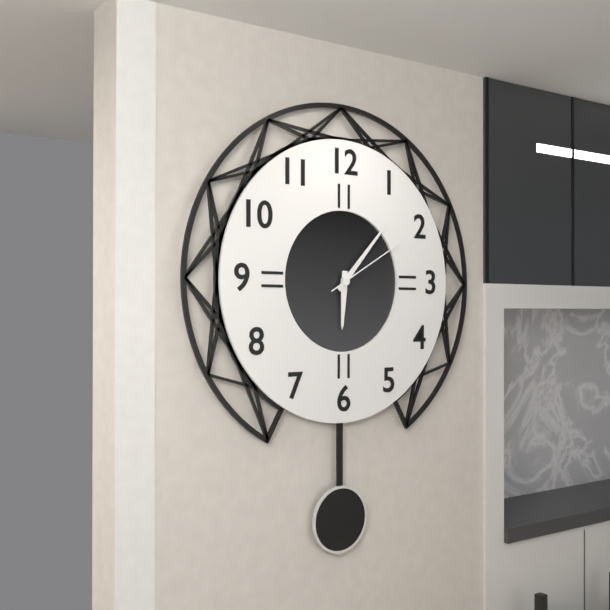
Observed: 6:07:10
